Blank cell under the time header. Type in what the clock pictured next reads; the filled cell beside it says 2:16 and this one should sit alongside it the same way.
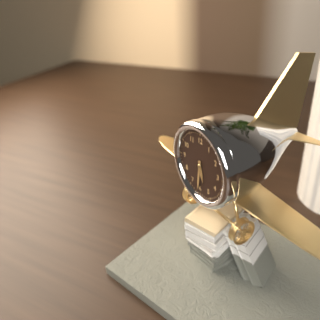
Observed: 5:31
